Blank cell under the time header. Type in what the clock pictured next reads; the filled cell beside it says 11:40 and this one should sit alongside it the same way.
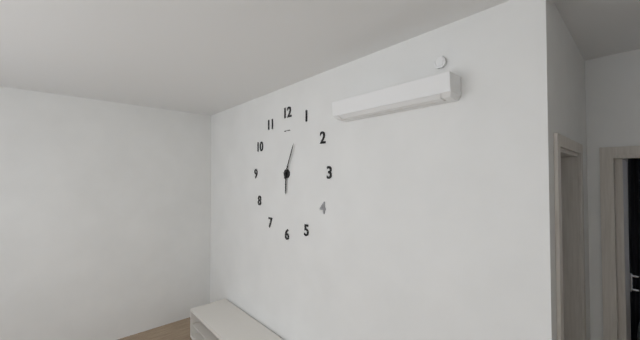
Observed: 6:04
